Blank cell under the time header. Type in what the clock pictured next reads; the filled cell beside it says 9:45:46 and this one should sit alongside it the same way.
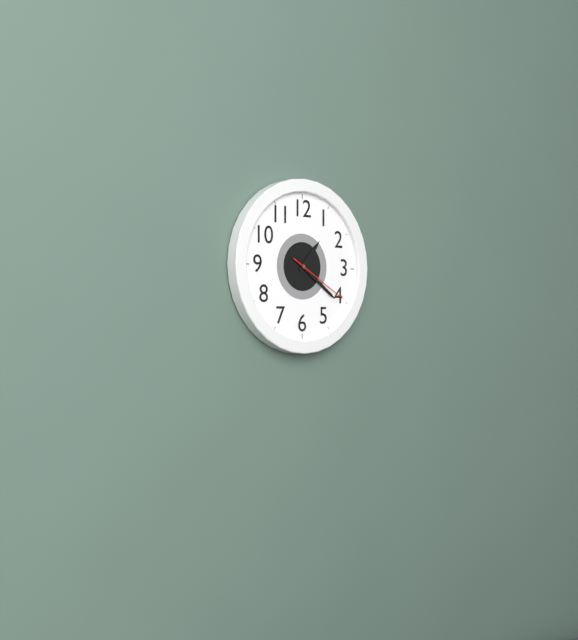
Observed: 1:21:20
